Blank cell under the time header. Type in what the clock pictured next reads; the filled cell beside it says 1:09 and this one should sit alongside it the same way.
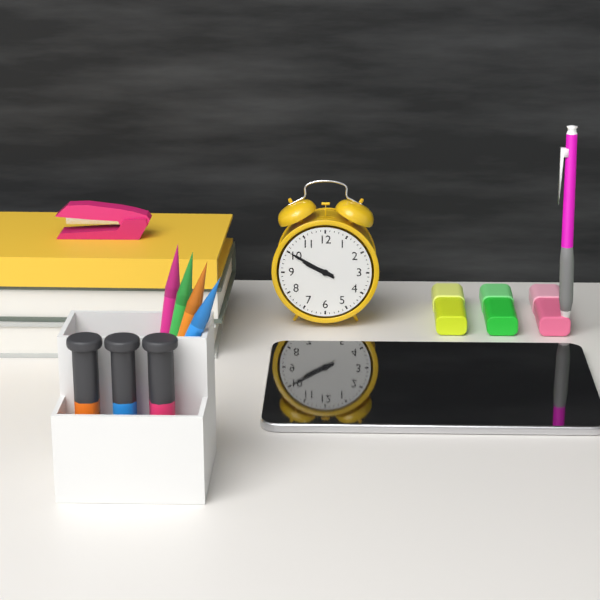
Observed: 9:50
